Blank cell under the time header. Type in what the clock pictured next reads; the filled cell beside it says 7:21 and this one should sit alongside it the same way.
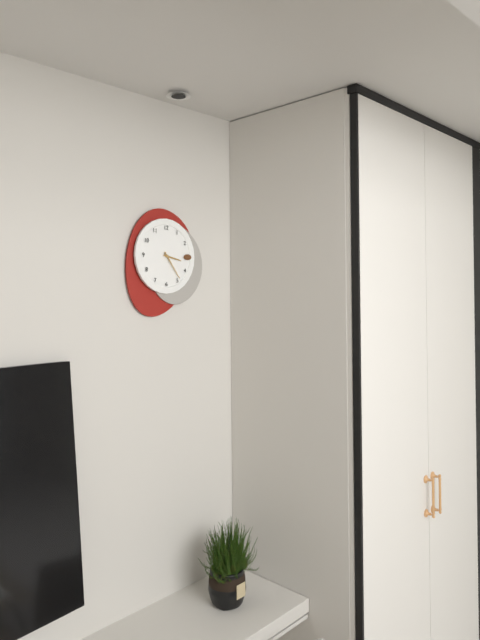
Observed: 3:24
